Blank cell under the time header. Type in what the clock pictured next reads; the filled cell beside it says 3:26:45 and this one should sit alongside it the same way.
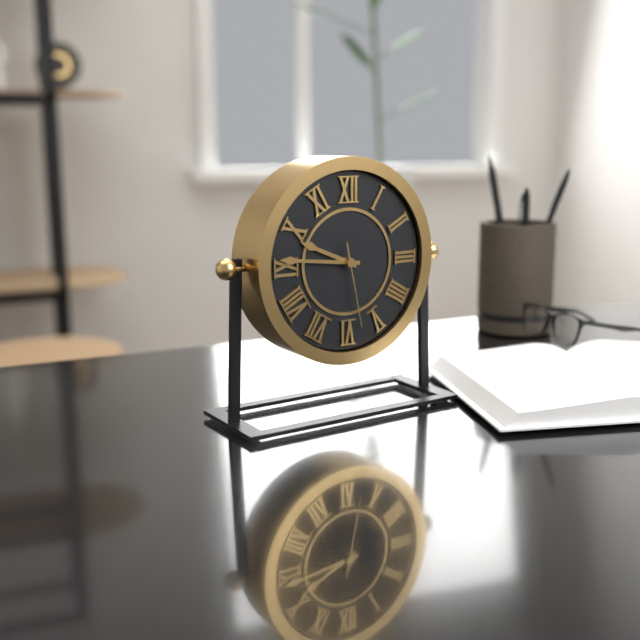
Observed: 9:46:28
